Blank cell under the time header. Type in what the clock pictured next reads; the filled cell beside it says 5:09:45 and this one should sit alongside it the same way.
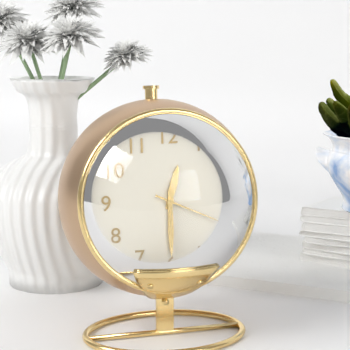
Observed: 12:30:19
